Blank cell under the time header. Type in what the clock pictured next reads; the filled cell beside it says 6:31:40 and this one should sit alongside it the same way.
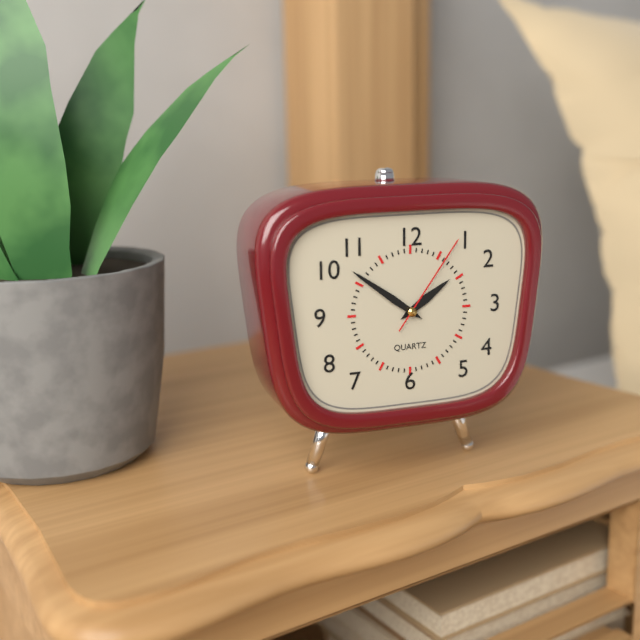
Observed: 1:51:06
